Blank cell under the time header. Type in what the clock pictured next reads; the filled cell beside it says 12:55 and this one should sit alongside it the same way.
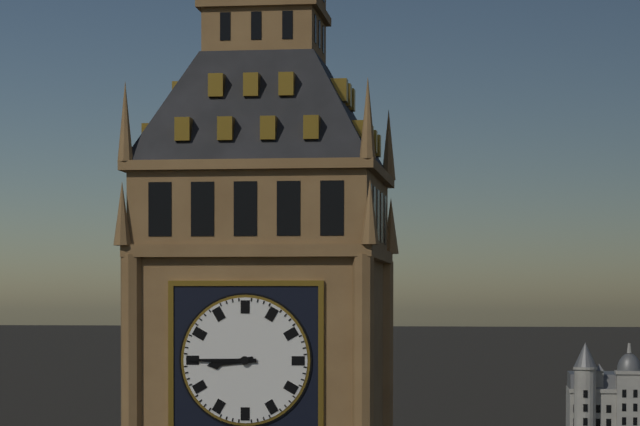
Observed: 8:45
